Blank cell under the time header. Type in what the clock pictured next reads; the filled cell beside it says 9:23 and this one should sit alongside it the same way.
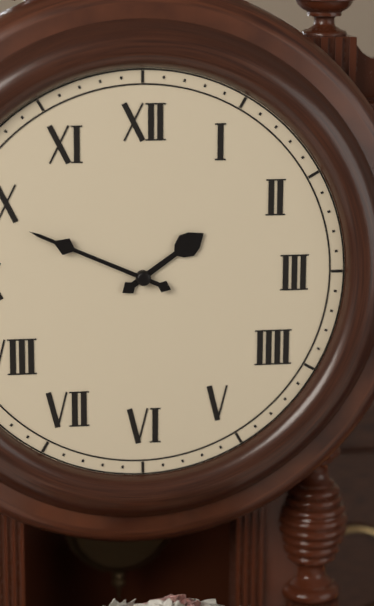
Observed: 1:49
